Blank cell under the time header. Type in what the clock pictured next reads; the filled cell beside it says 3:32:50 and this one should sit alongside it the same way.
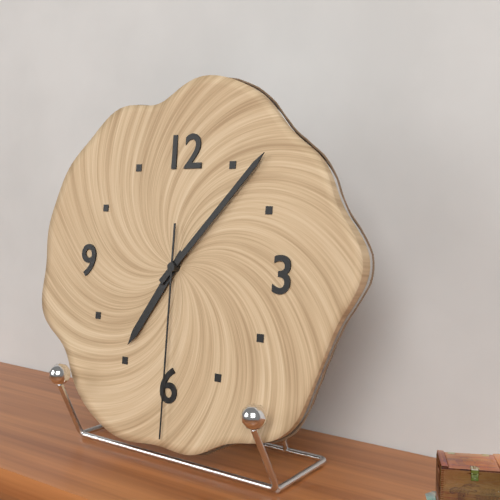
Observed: 7:07:30
